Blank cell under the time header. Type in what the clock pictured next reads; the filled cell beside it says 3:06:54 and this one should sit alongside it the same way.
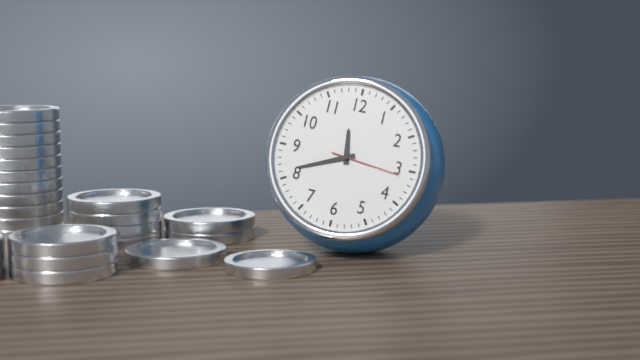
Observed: 11:41:16
